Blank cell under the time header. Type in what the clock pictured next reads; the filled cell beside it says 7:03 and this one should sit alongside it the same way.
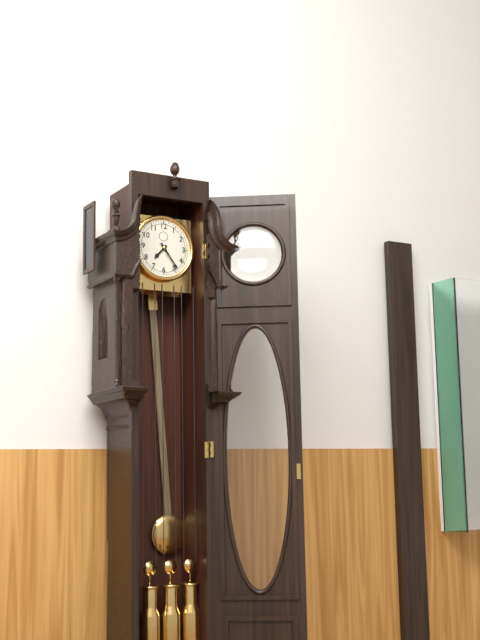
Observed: 7:24
